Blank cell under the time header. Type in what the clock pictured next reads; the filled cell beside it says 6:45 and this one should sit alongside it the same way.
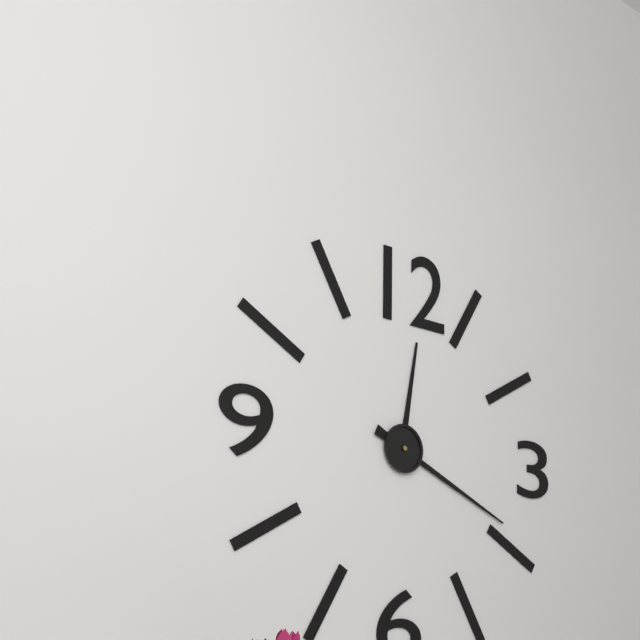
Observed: 12:19
